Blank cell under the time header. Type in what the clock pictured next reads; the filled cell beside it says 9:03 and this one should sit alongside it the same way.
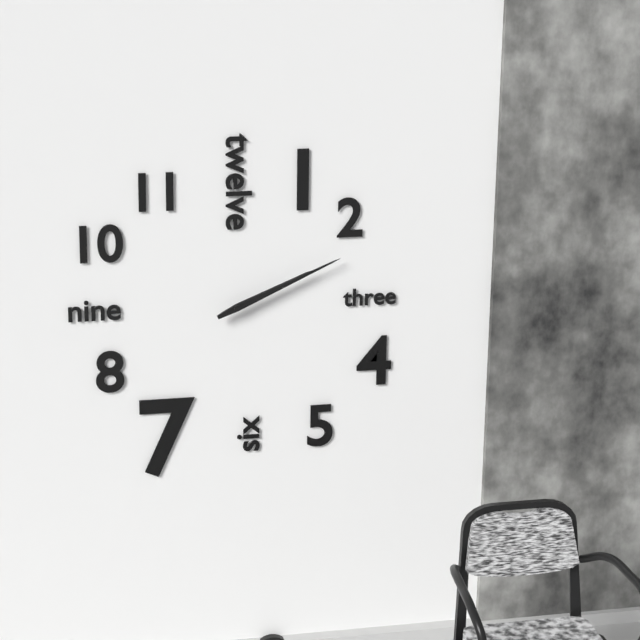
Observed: 2:11
